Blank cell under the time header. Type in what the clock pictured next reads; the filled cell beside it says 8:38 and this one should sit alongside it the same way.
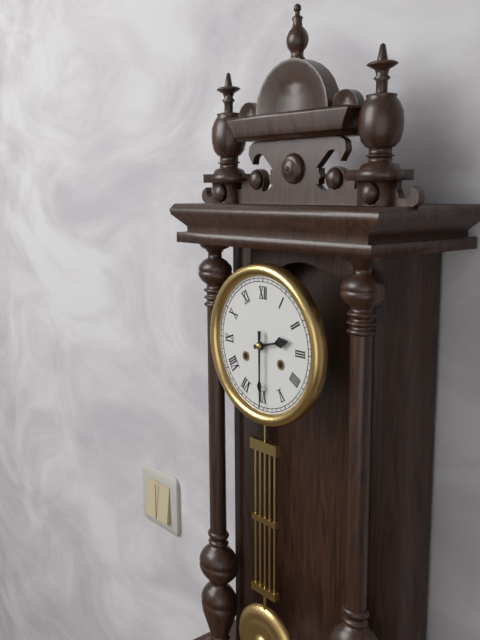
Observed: 2:30
